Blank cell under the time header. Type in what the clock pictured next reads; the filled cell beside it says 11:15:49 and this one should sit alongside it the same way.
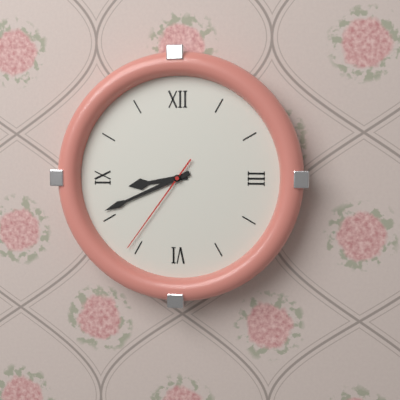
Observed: 8:41:36
